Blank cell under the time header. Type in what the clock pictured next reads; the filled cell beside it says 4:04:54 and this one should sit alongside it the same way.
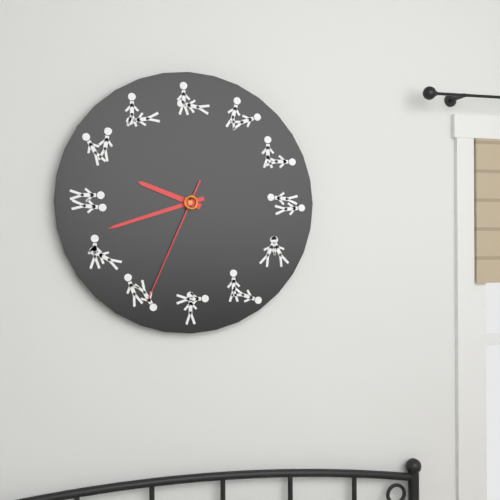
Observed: 9:42:34
